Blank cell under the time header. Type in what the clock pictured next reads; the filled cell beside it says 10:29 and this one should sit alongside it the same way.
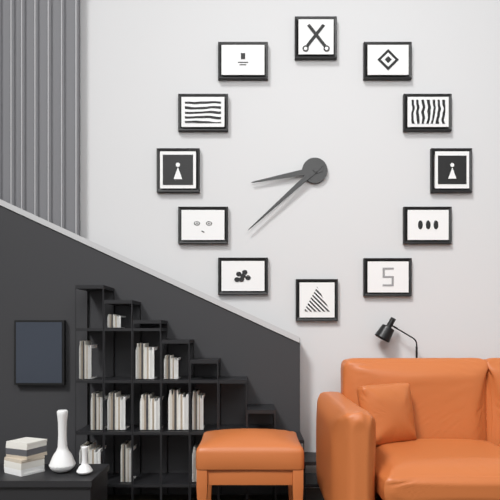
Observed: 8:38
